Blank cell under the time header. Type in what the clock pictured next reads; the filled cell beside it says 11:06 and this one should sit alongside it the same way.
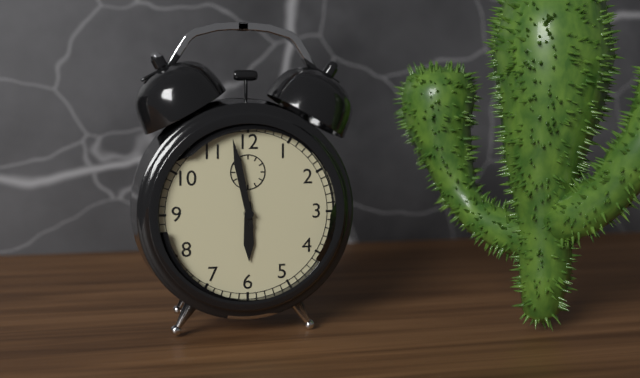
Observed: 5:58
